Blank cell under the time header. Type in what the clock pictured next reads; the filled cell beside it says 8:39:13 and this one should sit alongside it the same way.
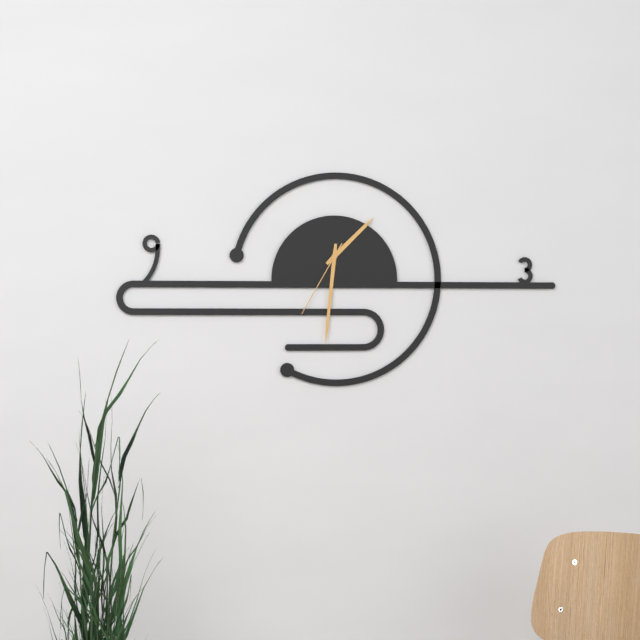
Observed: 1:31:35
